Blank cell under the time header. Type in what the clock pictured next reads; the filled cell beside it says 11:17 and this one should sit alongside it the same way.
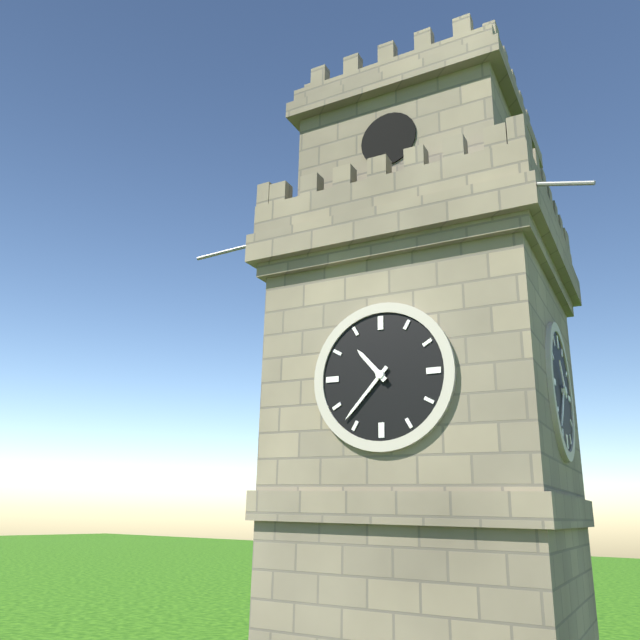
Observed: 10:37
